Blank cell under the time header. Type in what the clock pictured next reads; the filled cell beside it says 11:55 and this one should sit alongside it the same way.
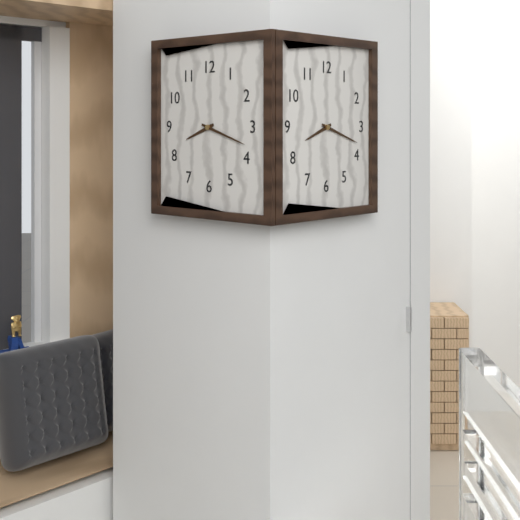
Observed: 8:18
